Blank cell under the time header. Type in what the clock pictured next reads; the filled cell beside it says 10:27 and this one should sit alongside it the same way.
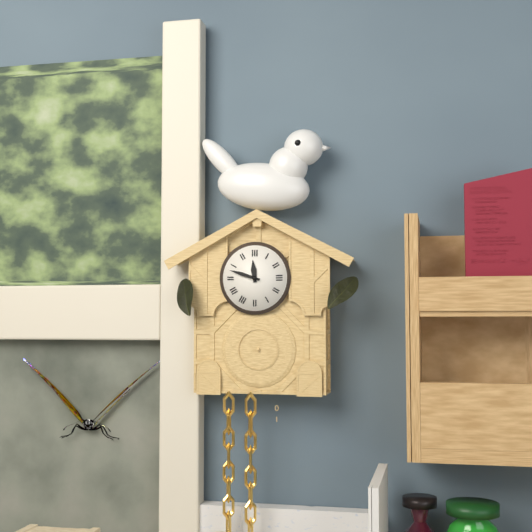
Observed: 11:48
